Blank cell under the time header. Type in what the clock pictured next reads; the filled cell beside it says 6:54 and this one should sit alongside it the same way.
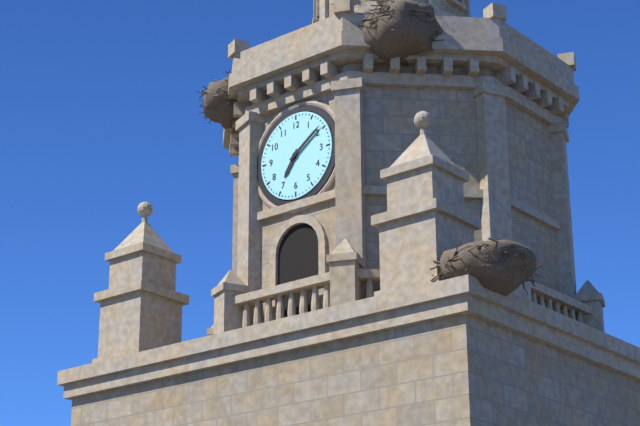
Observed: 7:09
